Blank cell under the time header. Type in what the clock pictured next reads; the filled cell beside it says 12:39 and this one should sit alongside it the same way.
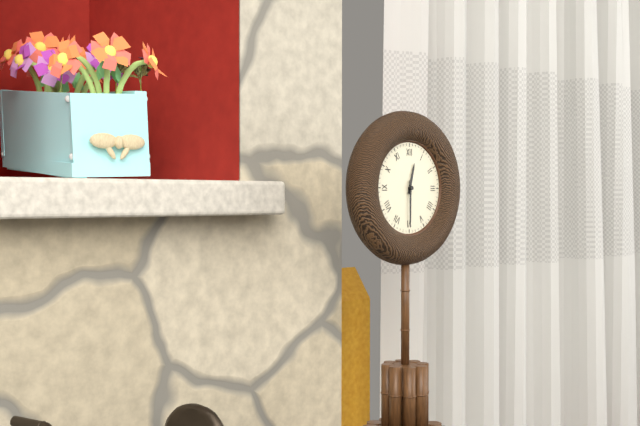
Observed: 12:30
